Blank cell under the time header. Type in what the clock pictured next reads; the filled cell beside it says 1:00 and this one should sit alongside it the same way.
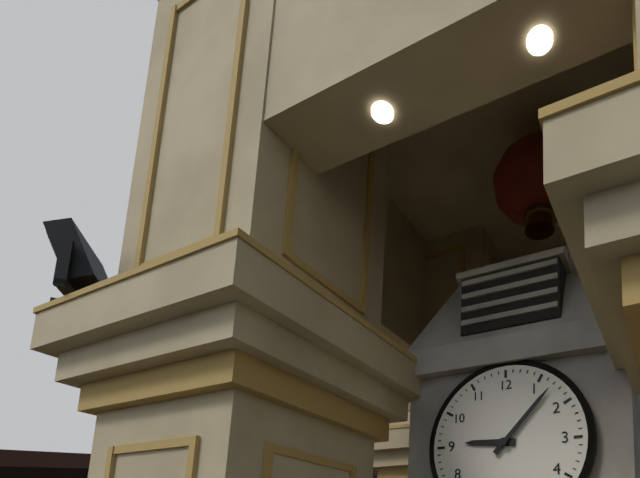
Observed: 9:07
